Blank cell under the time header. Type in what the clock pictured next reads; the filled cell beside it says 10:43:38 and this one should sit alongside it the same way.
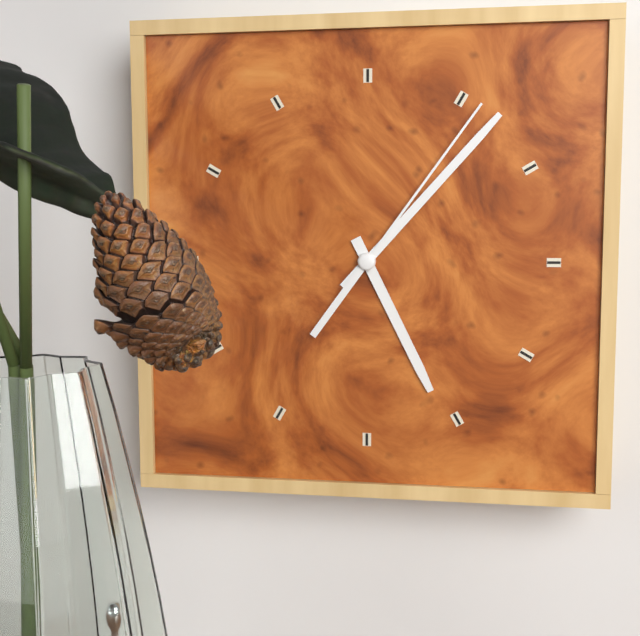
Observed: 5:07:06
